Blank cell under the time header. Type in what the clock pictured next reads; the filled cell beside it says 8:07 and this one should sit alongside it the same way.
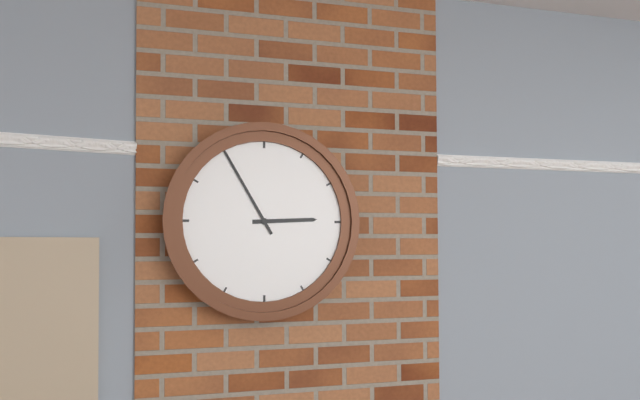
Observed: 2:55
